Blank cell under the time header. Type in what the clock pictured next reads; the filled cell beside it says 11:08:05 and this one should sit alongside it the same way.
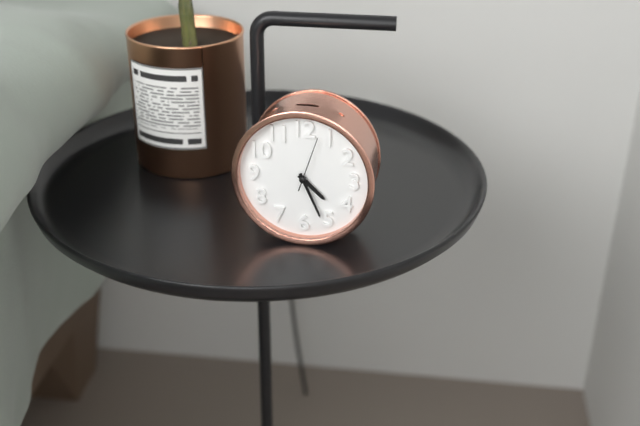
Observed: 4:26:03
